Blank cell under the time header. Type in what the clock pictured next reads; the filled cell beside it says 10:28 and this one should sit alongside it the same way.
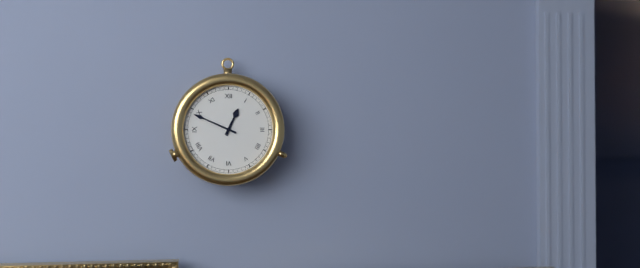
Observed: 12:49
